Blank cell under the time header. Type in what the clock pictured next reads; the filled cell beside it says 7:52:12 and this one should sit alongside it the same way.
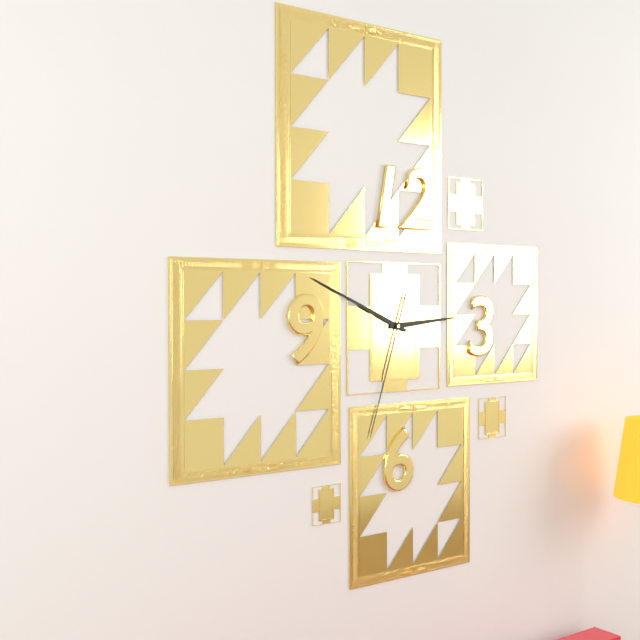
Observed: 2:49:33
